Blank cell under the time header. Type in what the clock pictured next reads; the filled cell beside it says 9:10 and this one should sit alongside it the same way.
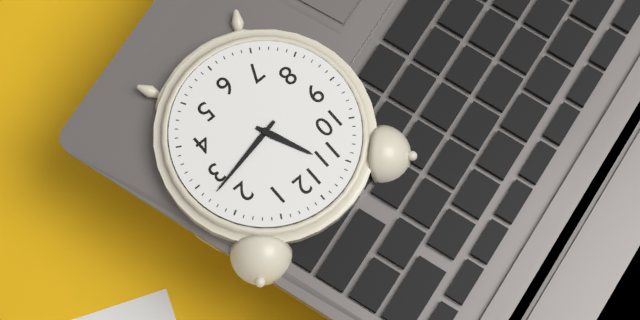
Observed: 11:13
